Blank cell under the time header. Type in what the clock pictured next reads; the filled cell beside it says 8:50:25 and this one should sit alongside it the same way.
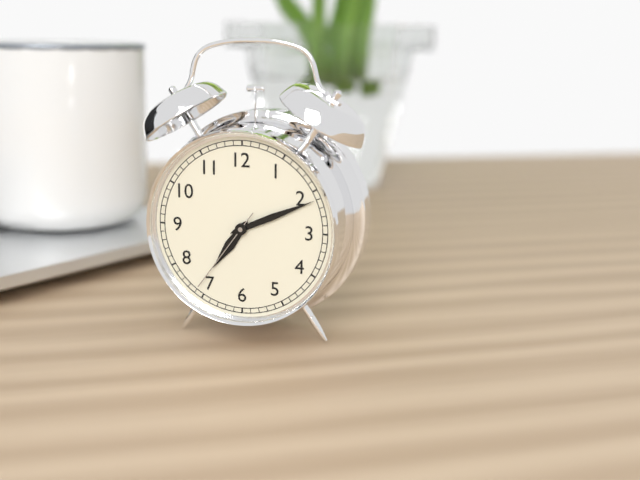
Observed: 7:11:36
